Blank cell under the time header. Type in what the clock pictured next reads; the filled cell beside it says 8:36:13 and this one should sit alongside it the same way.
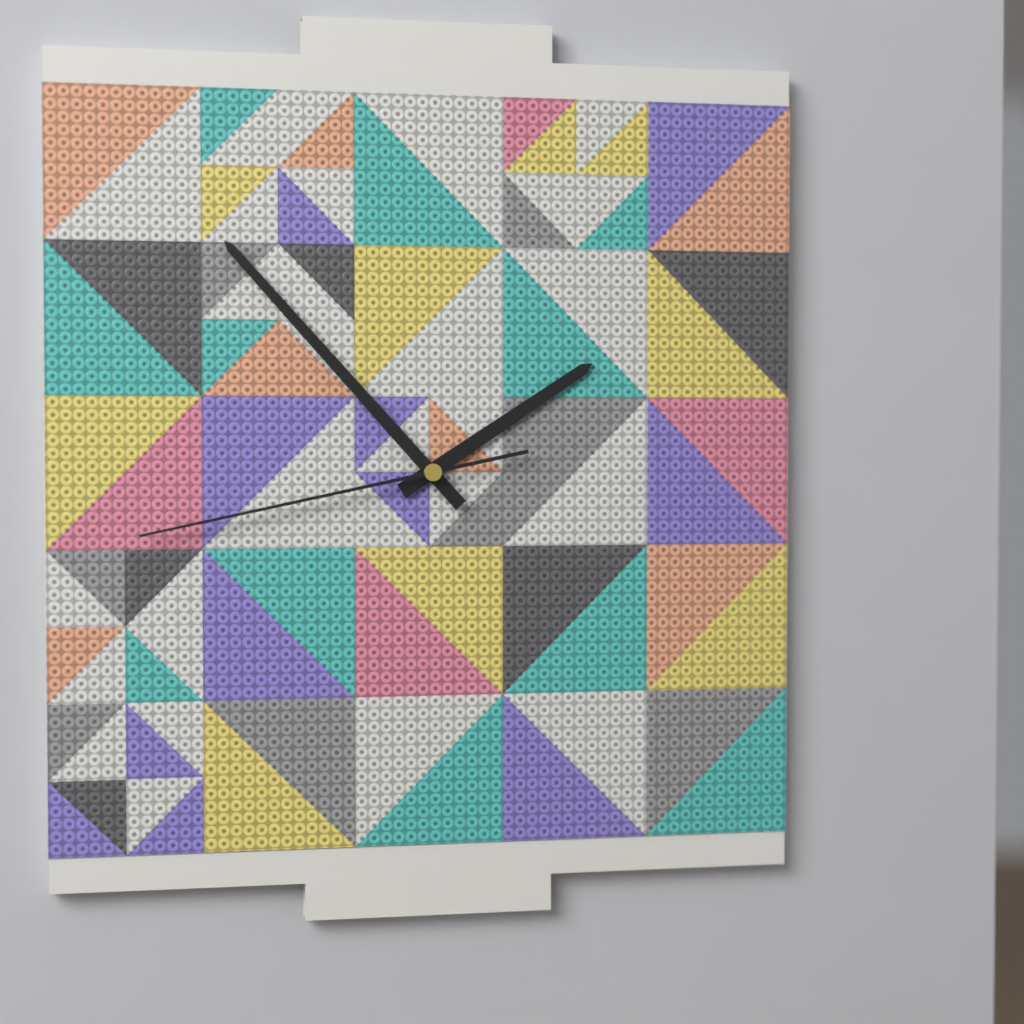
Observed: 1:53:43
